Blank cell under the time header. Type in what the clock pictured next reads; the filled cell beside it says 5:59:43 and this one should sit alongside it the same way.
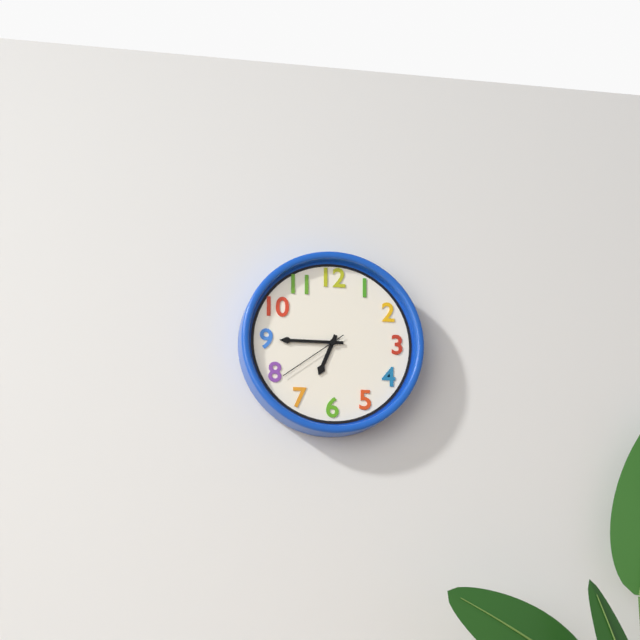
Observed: 6:45:39
